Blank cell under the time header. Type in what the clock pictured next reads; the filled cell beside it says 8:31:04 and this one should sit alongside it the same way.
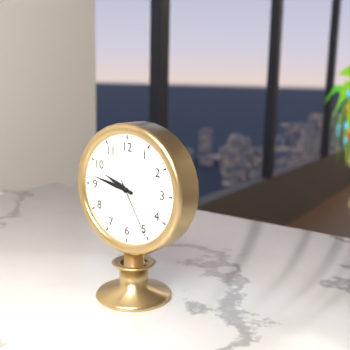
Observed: 9:47:25
